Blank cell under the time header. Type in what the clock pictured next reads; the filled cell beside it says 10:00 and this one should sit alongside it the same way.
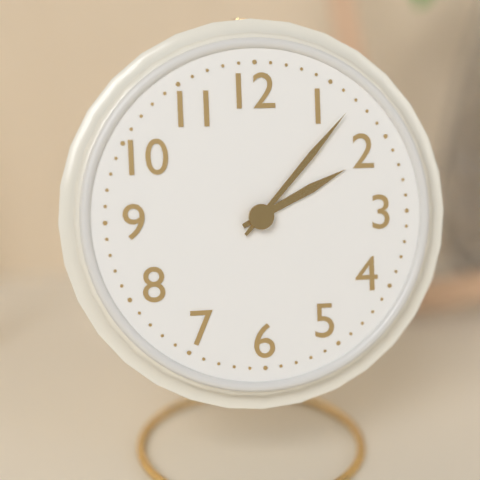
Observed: 2:07
